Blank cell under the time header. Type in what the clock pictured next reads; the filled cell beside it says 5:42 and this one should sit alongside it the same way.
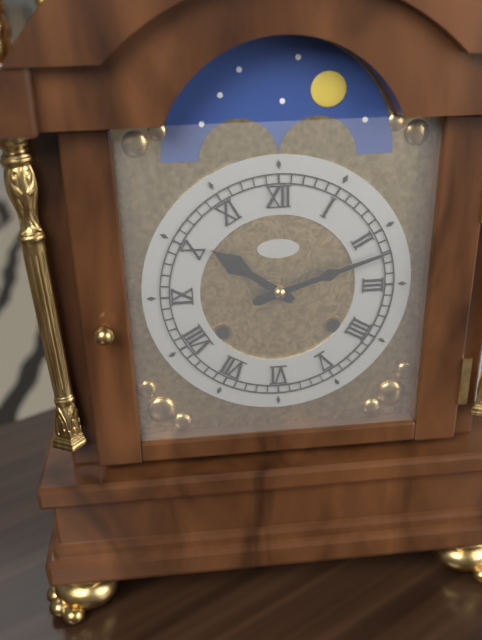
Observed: 10:12
